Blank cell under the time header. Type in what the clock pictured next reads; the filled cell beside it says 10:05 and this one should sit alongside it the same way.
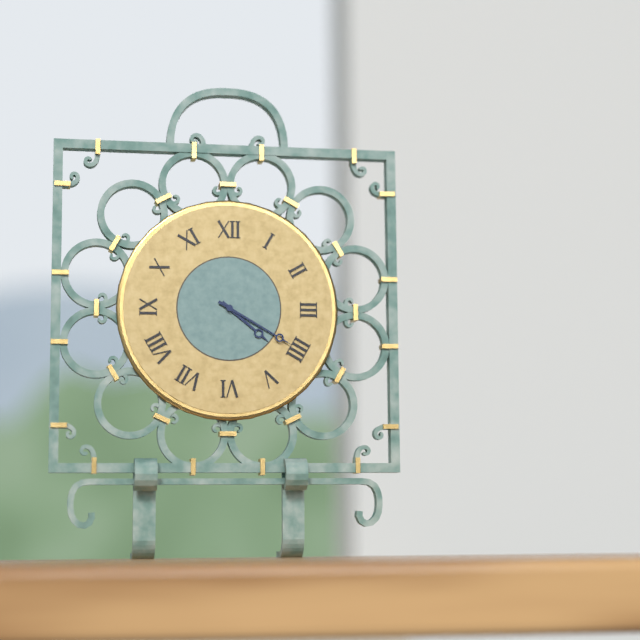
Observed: 4:20
